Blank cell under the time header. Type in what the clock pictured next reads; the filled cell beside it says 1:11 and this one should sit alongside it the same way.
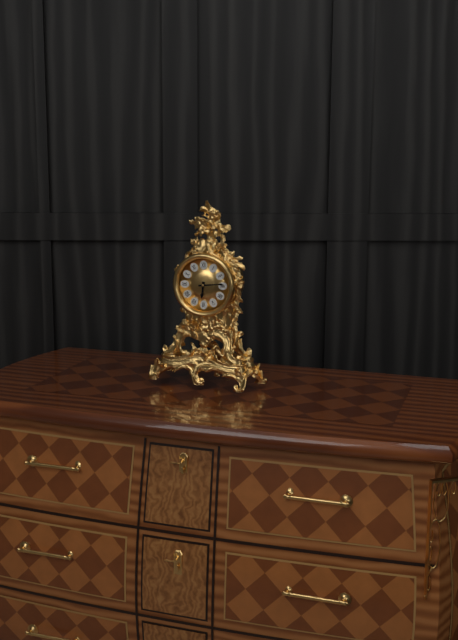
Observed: 6:14
